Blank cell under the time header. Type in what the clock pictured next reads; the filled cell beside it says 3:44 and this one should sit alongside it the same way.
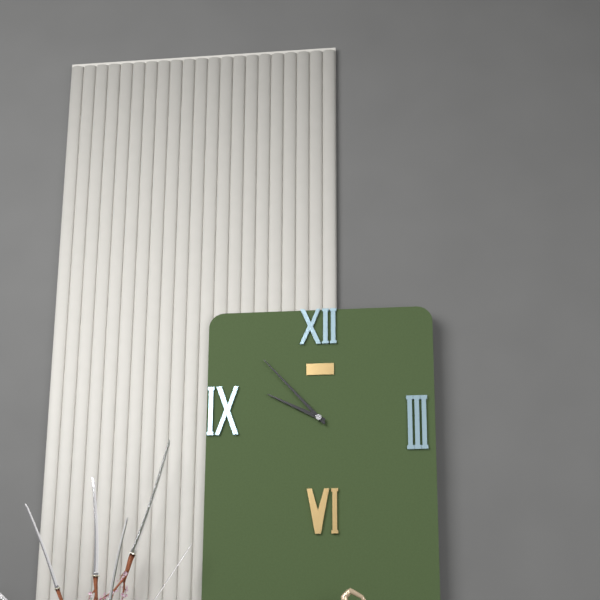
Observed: 9:53
